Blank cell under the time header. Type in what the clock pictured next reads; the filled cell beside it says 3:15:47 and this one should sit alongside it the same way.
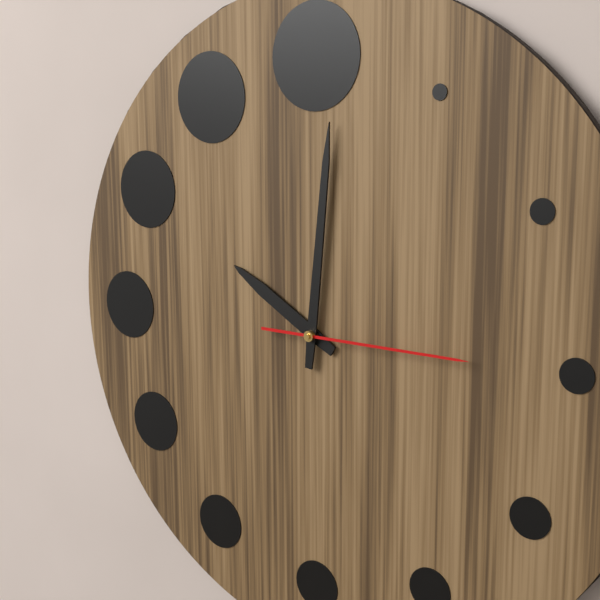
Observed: 10:01:15
